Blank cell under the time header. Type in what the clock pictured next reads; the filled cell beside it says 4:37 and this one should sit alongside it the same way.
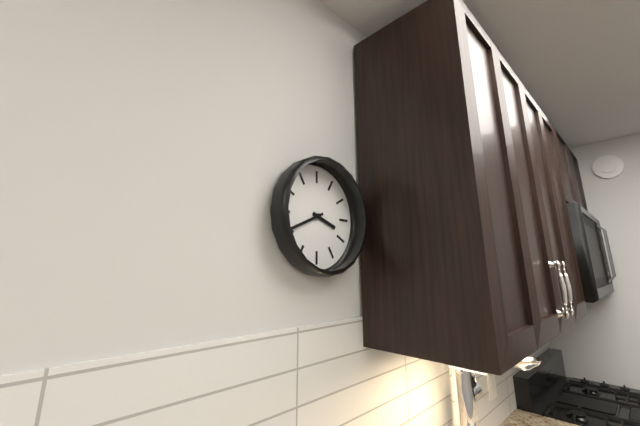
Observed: 3:41
